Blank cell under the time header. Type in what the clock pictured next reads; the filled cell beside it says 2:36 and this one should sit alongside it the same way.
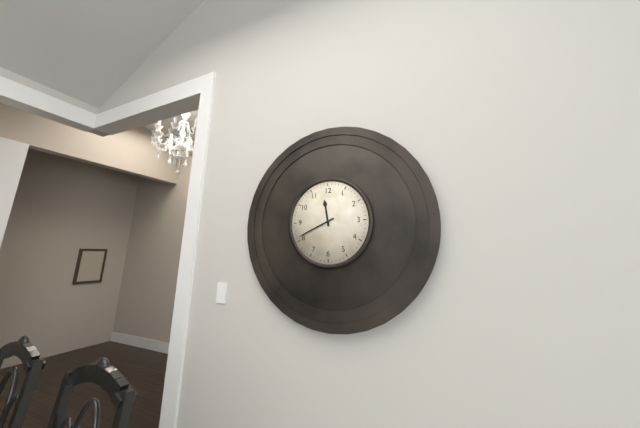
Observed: 11:41
